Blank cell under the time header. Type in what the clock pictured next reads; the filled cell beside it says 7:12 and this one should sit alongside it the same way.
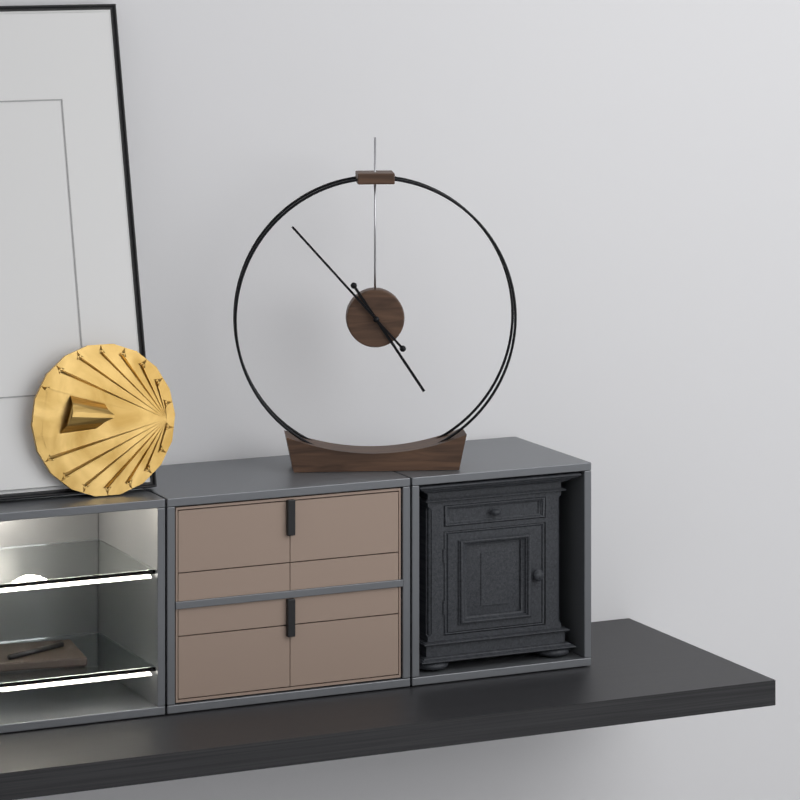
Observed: 4:53
